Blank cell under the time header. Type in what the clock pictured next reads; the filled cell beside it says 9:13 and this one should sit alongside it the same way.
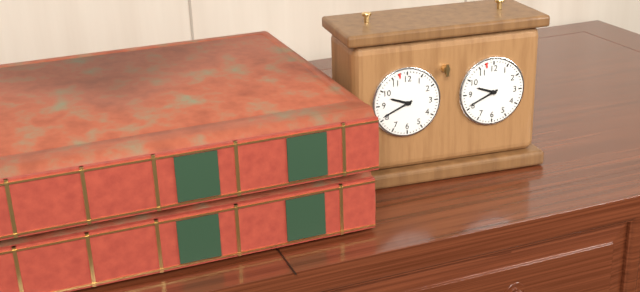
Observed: 9:41
